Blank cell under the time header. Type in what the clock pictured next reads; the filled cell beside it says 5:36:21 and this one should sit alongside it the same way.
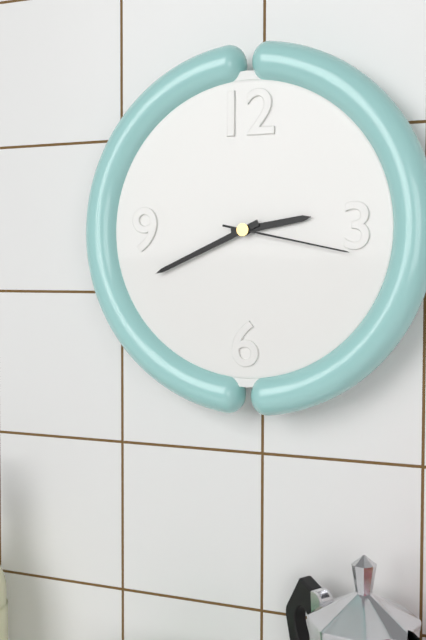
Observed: 2:41:17
